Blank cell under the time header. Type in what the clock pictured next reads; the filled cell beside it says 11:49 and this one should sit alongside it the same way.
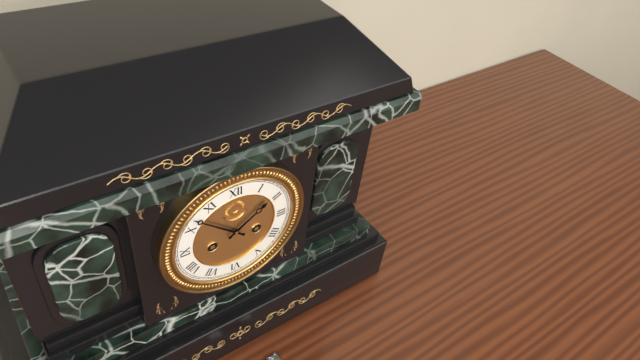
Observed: 1:52
